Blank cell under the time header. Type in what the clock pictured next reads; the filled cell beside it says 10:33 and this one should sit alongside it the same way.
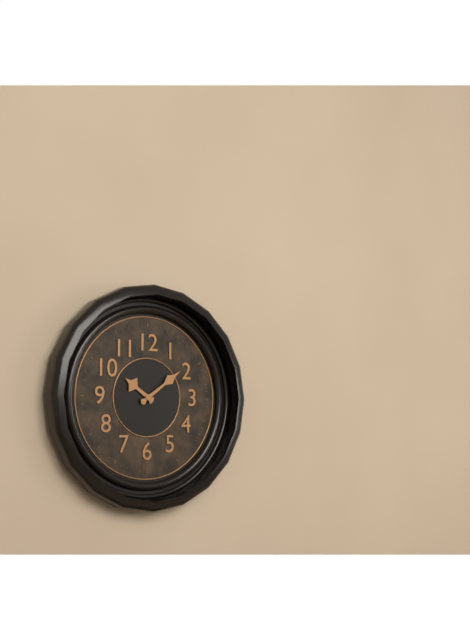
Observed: 10:09
